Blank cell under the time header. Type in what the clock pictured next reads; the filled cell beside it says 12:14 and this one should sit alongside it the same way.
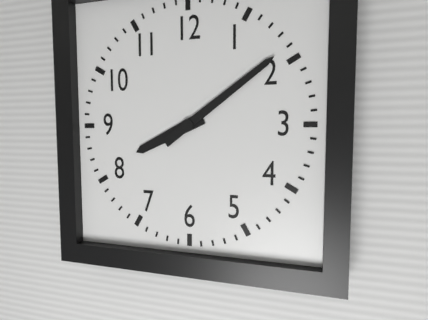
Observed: 8:09
